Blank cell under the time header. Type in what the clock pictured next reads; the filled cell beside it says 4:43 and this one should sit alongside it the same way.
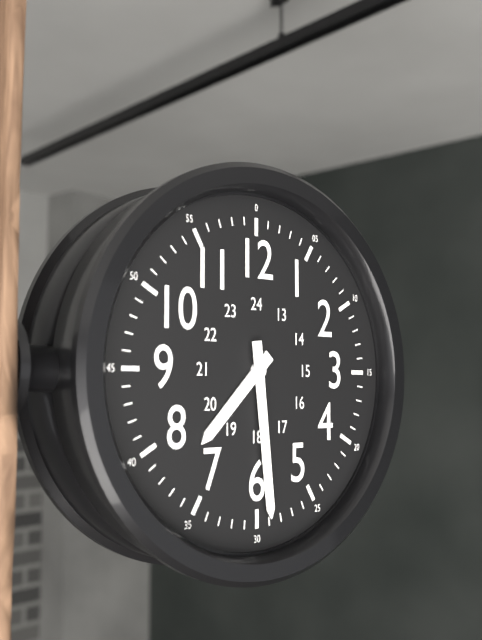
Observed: 7:29
